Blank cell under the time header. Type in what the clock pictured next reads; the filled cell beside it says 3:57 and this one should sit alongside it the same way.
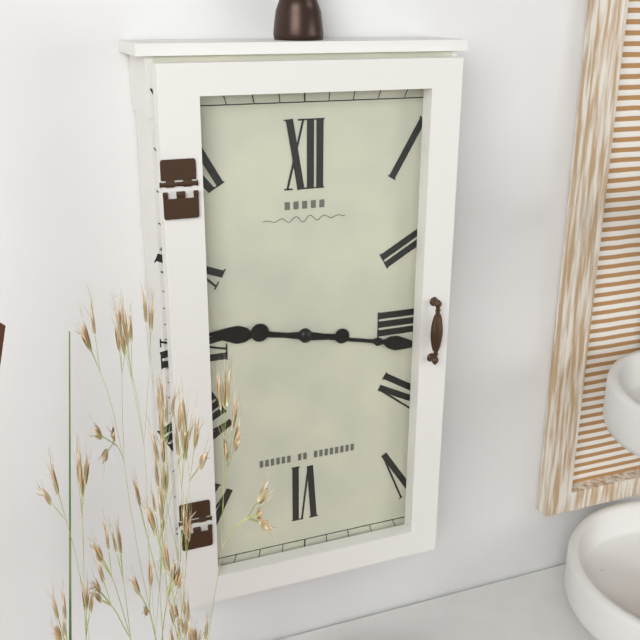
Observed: 9:17
